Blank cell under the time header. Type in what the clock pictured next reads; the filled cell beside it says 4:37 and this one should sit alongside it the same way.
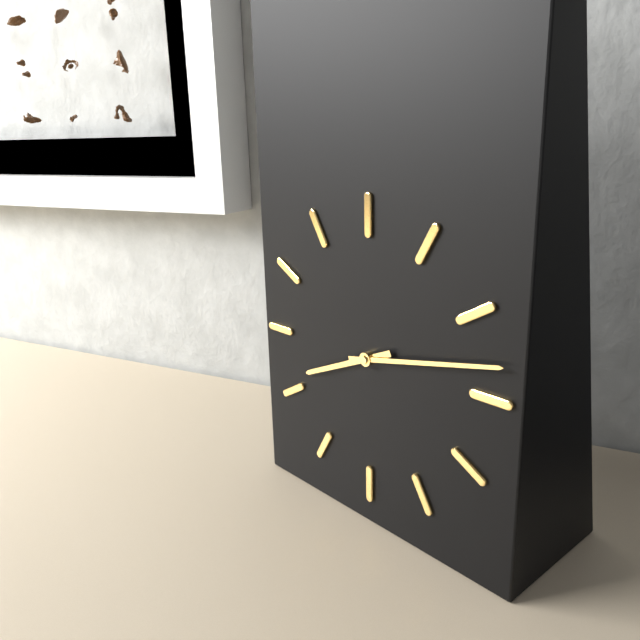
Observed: 8:13
